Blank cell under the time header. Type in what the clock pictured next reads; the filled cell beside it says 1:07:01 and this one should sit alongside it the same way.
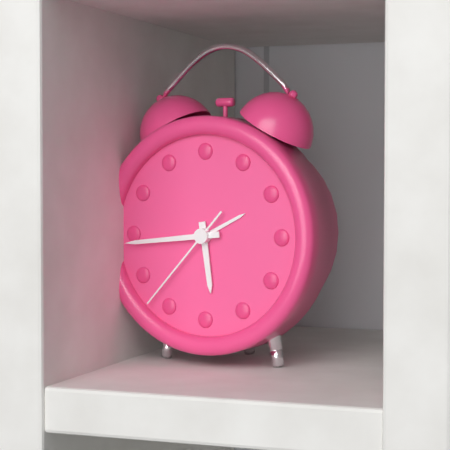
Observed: 5:44:37
